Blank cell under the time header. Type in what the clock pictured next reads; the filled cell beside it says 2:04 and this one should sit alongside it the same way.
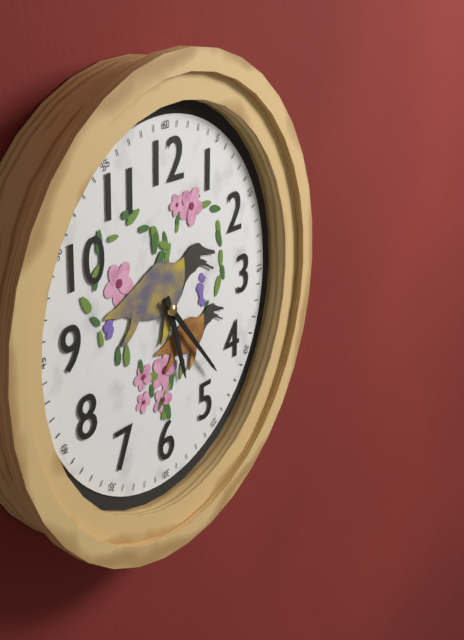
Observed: 5:23
